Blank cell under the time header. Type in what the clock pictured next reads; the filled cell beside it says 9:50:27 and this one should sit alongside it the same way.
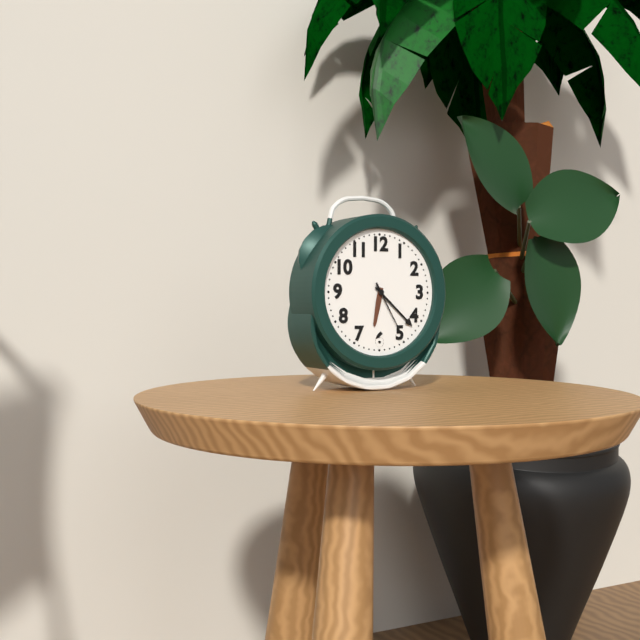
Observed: 6:22:25
